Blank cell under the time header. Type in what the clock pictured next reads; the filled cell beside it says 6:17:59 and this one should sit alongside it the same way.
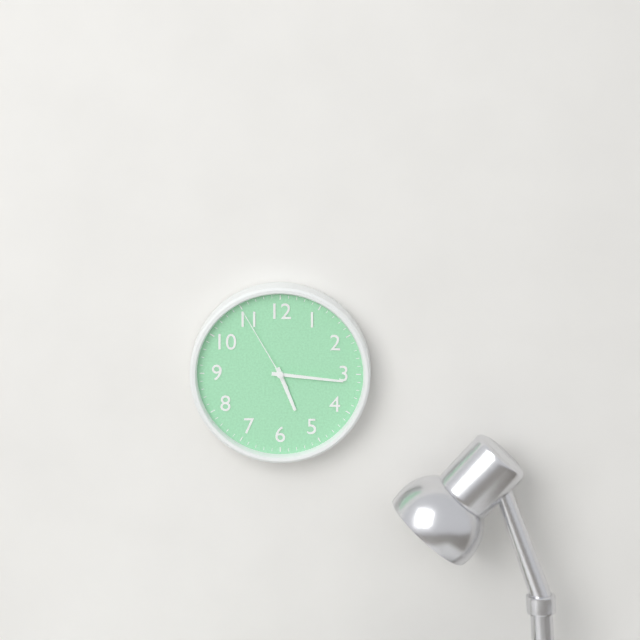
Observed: 5:16:55
